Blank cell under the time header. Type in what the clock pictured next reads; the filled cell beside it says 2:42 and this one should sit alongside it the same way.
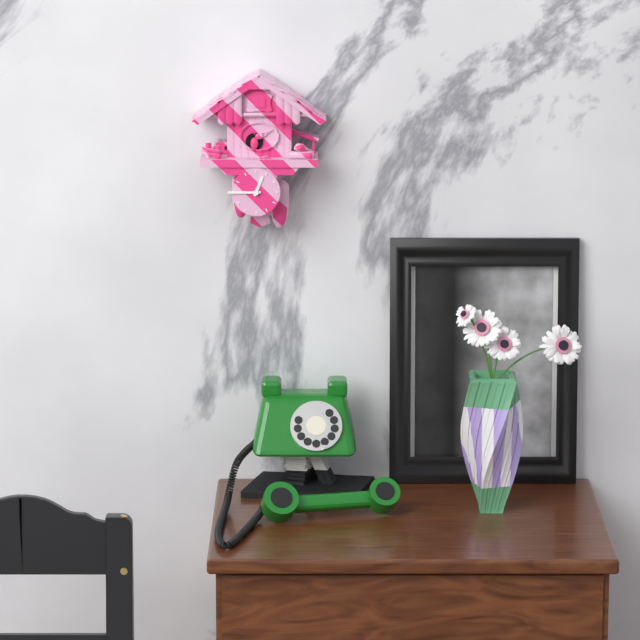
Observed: 12:45
